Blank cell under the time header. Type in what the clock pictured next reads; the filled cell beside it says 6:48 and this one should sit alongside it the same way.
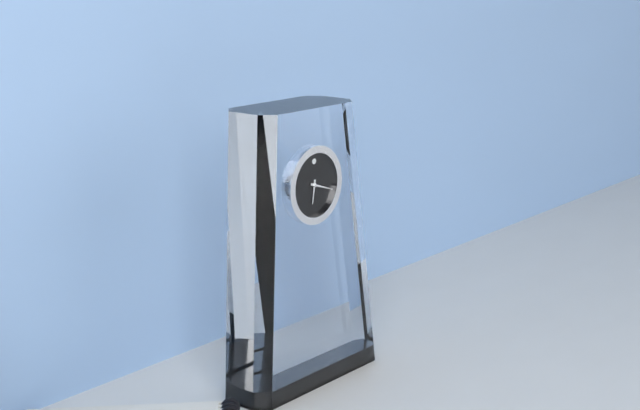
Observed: 6:18
